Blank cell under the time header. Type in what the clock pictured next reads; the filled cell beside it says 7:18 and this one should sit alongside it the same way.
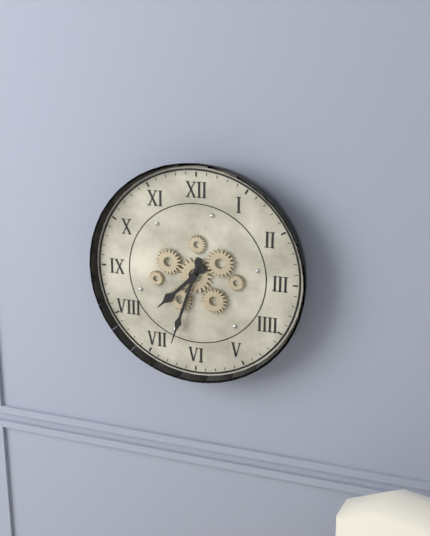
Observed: 7:33
